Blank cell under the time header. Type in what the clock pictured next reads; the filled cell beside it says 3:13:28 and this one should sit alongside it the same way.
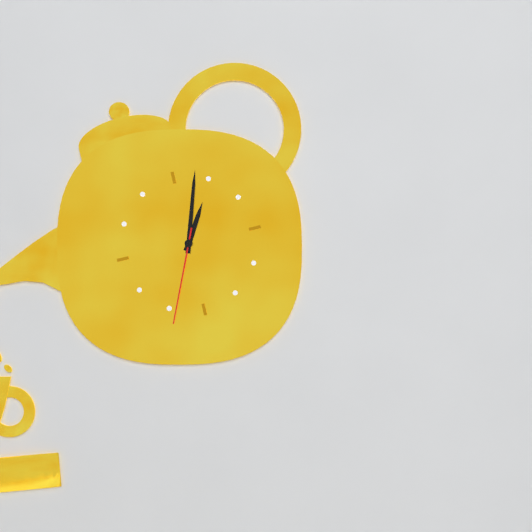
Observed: 1:03:34
